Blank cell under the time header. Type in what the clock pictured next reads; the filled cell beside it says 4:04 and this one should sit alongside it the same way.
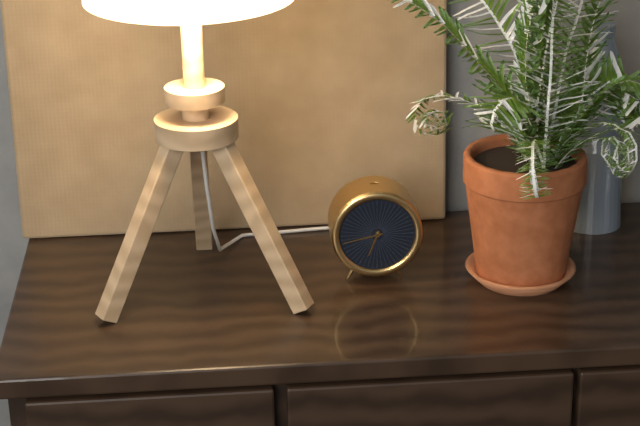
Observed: 6:43
